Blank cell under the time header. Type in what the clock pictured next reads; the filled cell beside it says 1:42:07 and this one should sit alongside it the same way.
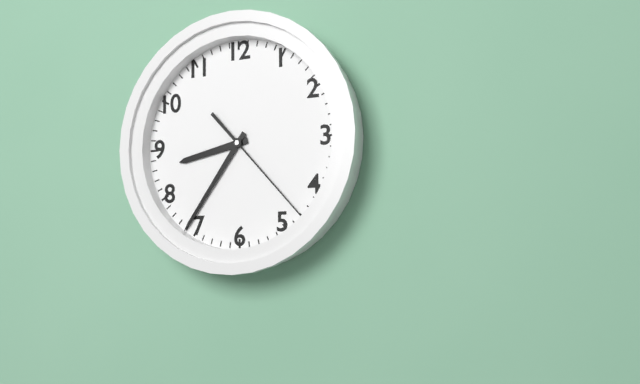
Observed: 8:36:23
